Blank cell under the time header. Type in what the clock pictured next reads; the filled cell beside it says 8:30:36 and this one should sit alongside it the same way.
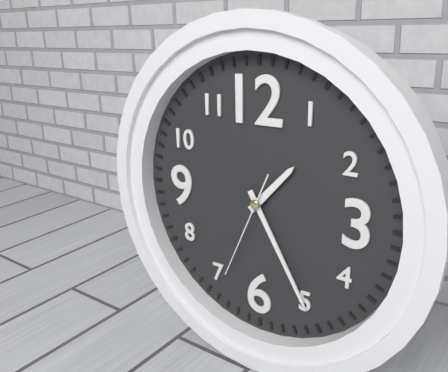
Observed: 1:25:34
